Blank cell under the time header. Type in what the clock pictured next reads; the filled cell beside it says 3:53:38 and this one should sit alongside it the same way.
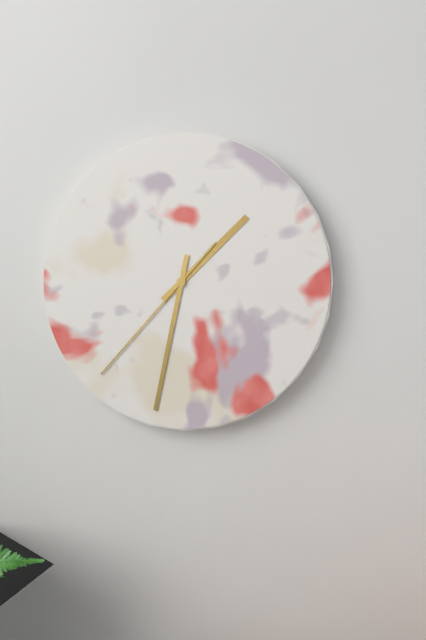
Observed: 1:32:37
